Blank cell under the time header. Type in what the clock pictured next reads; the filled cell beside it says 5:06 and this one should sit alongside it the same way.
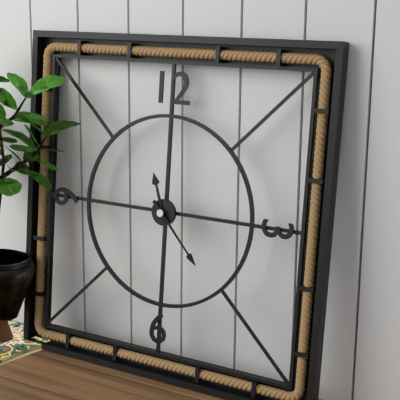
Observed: 11:23
